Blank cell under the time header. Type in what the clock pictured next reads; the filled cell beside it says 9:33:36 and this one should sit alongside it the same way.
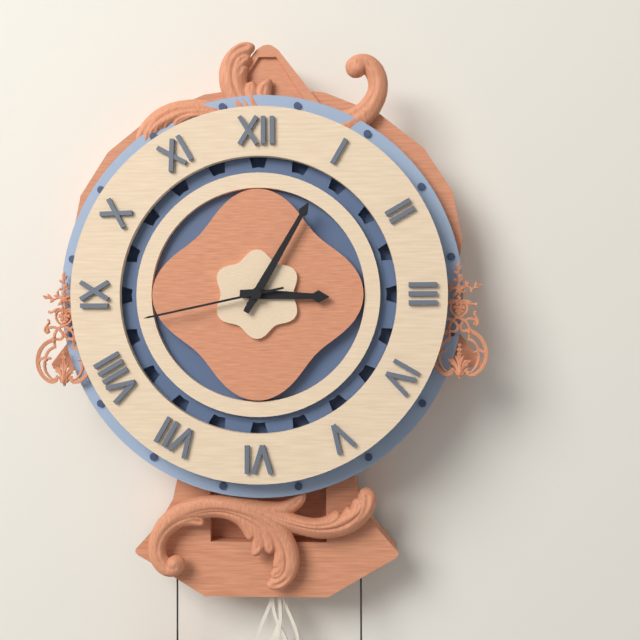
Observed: 3:05:43
